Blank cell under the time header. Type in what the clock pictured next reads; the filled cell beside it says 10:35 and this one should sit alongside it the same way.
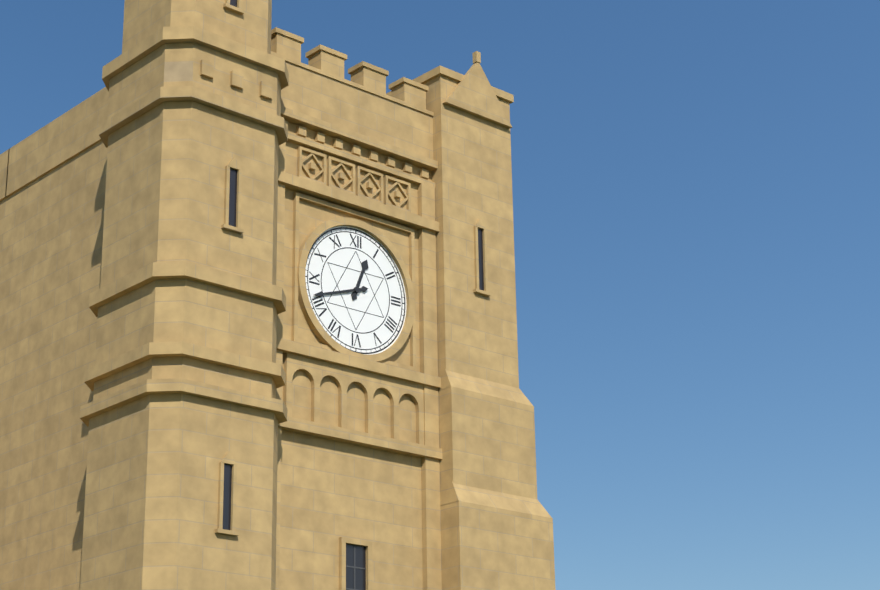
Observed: 12:42
